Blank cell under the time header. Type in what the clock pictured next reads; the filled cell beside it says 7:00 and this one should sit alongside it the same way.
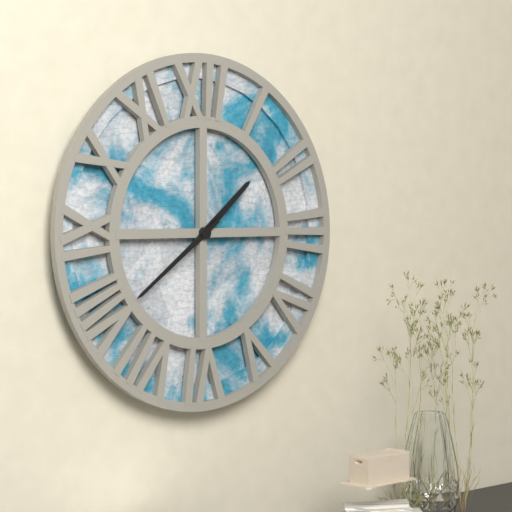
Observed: 1:39
